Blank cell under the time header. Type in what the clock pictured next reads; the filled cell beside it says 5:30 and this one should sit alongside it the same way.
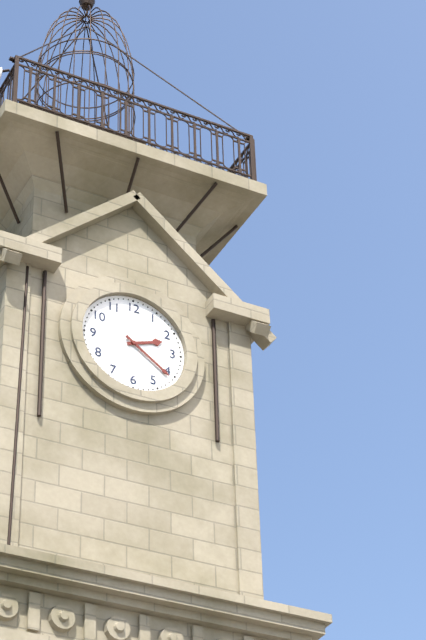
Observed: 2:21
